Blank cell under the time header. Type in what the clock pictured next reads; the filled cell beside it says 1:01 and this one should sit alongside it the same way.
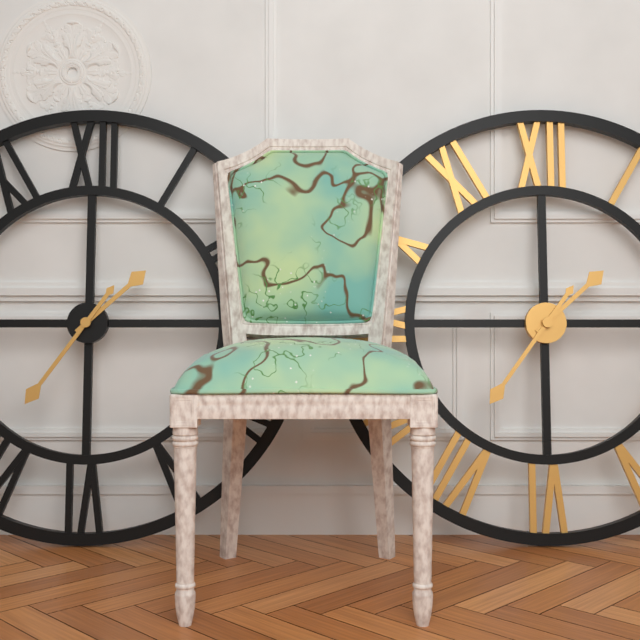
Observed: 1:36
